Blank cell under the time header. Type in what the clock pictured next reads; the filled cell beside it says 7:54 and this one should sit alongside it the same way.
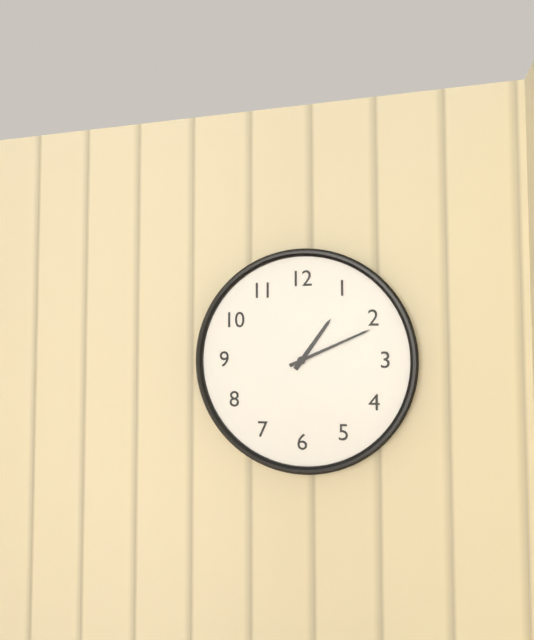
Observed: 1:11
